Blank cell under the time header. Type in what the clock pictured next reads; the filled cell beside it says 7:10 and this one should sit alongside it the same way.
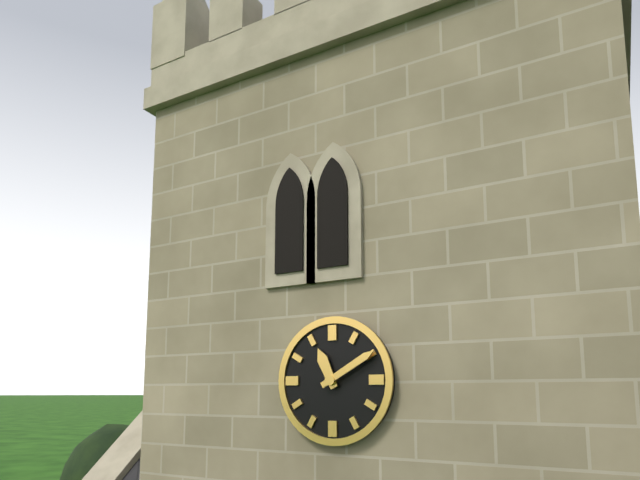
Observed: 11:10
